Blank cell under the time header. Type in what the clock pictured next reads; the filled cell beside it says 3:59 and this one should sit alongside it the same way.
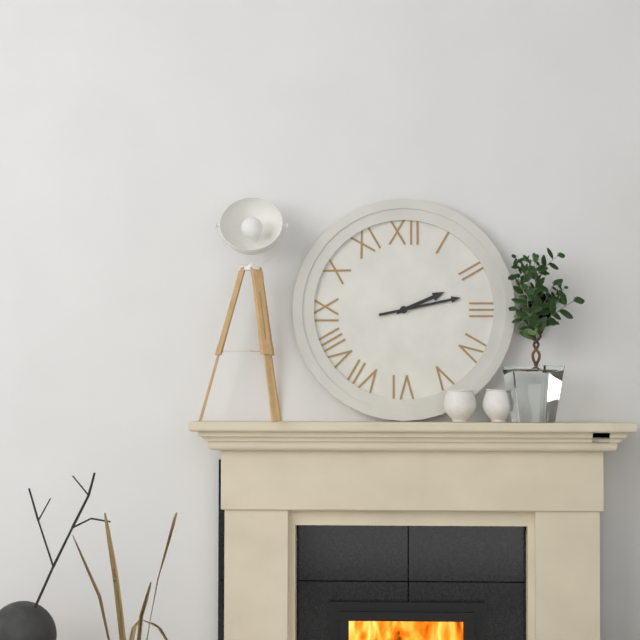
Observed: 2:13
